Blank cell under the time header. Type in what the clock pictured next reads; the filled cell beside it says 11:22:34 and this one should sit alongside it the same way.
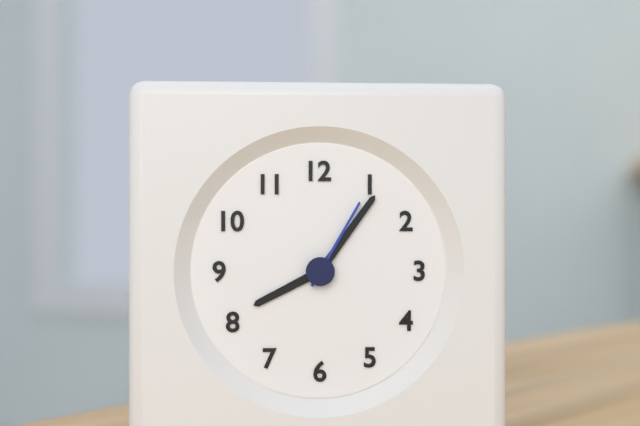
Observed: 8:06:05
